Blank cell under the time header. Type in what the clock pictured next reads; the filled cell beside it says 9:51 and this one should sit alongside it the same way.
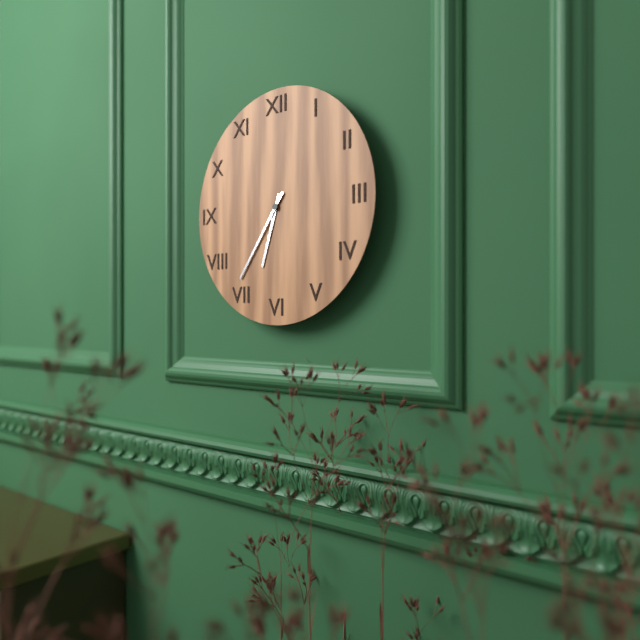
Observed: 6:36
